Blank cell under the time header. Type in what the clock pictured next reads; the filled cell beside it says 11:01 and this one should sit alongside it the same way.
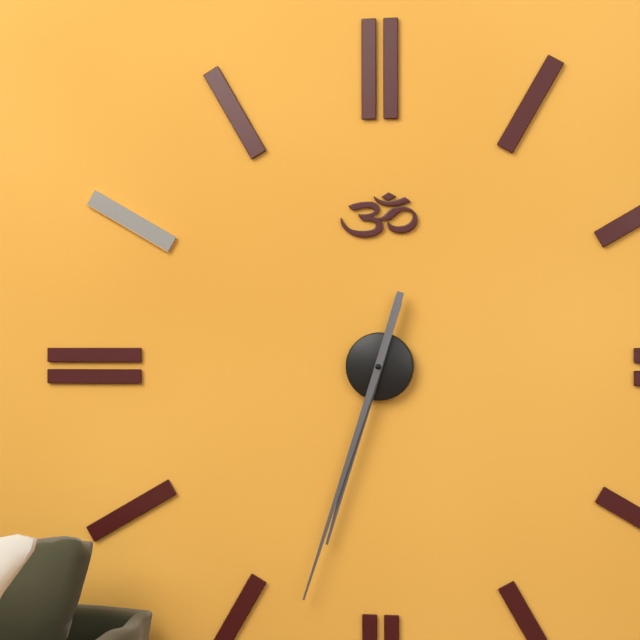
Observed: 6:33
